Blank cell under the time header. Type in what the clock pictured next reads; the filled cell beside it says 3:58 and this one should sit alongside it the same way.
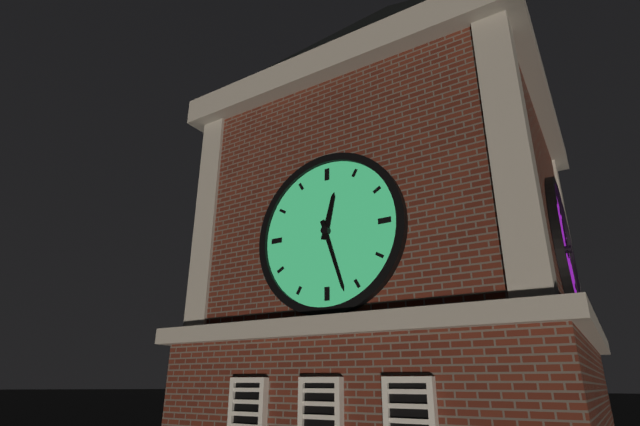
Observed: 12:27
